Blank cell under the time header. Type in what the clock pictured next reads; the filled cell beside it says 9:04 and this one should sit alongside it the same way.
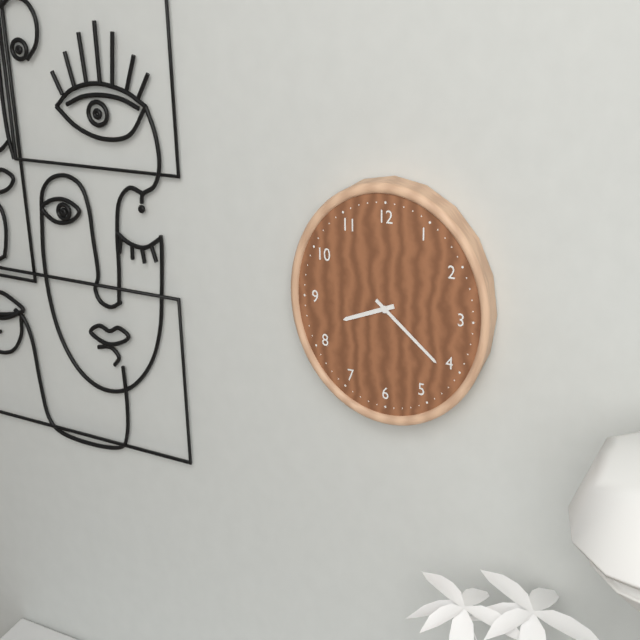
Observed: 8:21
